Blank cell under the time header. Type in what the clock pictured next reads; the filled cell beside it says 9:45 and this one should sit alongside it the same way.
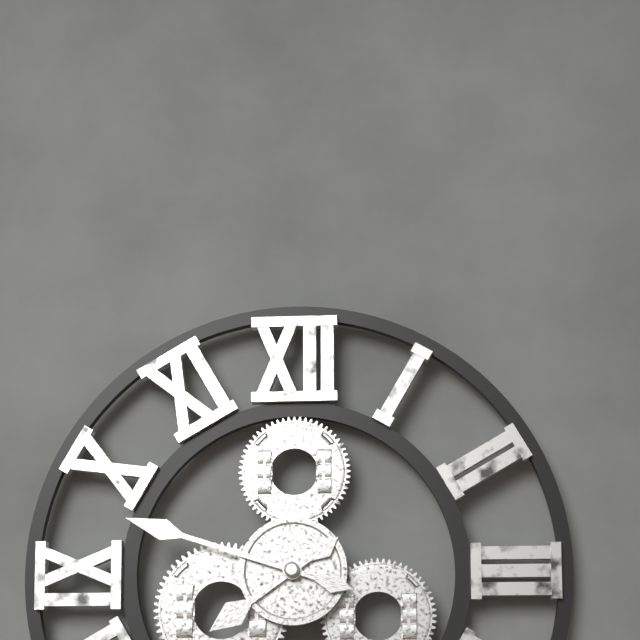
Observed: 7:48
